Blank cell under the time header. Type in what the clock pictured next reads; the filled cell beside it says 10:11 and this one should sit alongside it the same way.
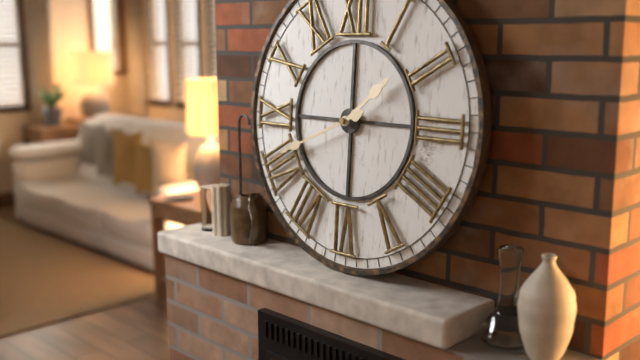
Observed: 1:41
